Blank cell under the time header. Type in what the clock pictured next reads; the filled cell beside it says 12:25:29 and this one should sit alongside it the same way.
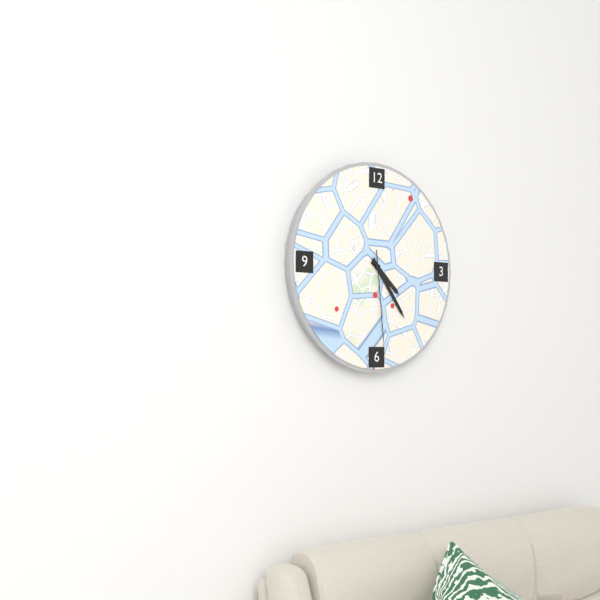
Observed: 4:24:29
